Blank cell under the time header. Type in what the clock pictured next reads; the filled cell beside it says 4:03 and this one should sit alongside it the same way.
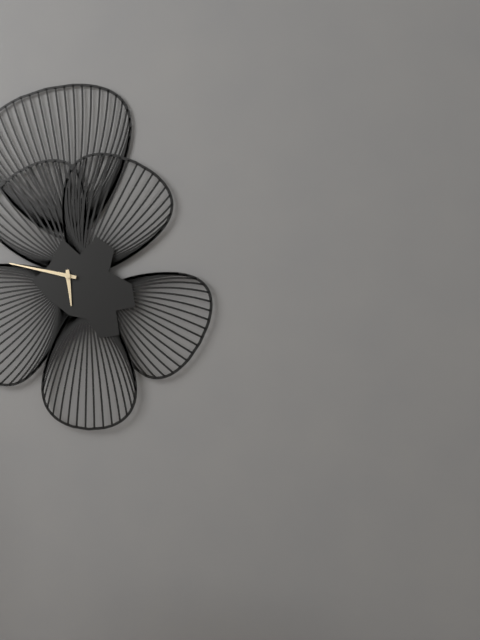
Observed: 5:47
